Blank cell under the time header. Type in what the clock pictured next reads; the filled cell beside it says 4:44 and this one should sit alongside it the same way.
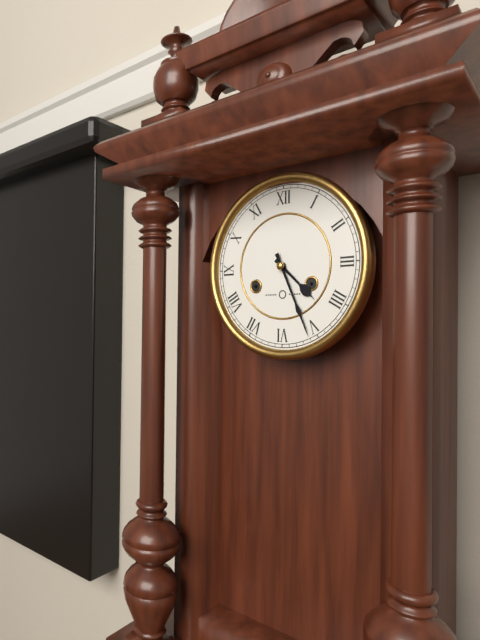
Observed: 4:26
